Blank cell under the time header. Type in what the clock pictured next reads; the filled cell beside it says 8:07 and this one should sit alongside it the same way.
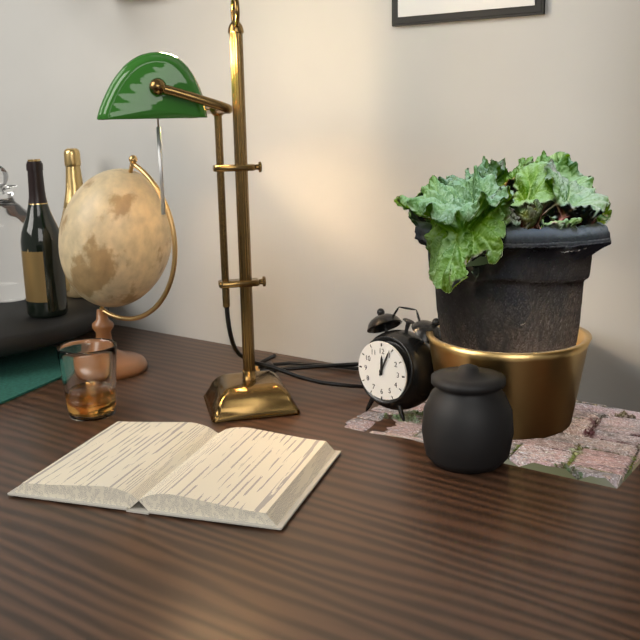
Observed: 12:04
